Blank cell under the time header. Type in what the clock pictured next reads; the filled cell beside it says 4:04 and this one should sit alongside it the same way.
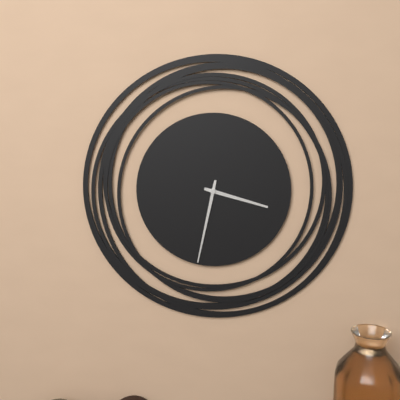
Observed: 3:32
